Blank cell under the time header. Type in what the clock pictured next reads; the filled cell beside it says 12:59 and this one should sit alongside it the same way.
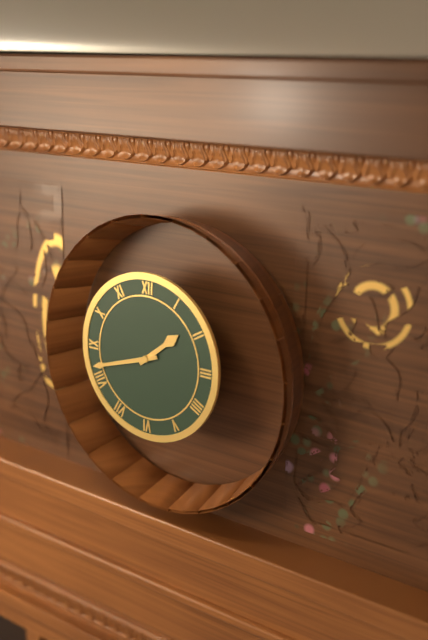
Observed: 1:42
